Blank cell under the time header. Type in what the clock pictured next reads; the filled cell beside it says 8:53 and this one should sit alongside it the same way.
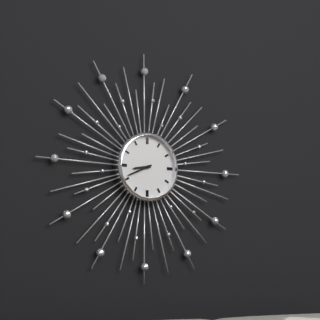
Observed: 8:41
